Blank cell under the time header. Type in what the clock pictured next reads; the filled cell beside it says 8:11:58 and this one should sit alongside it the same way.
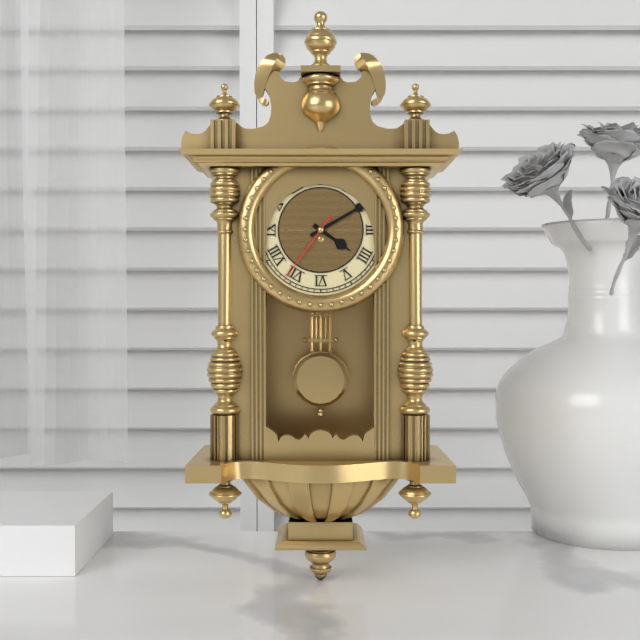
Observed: 4:10:36
